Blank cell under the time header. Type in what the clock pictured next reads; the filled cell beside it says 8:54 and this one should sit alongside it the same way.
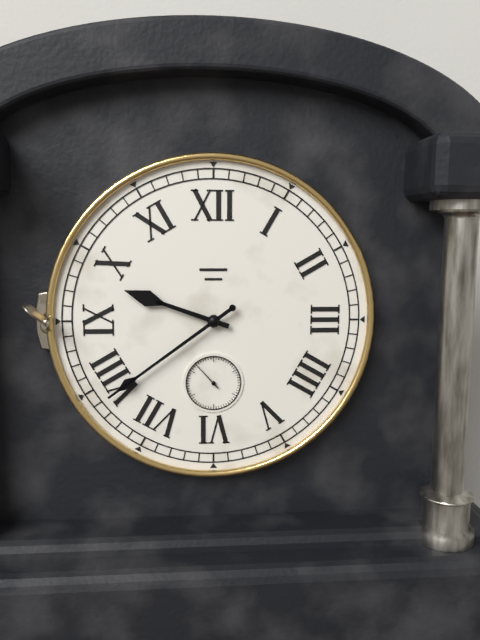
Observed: 9:39
